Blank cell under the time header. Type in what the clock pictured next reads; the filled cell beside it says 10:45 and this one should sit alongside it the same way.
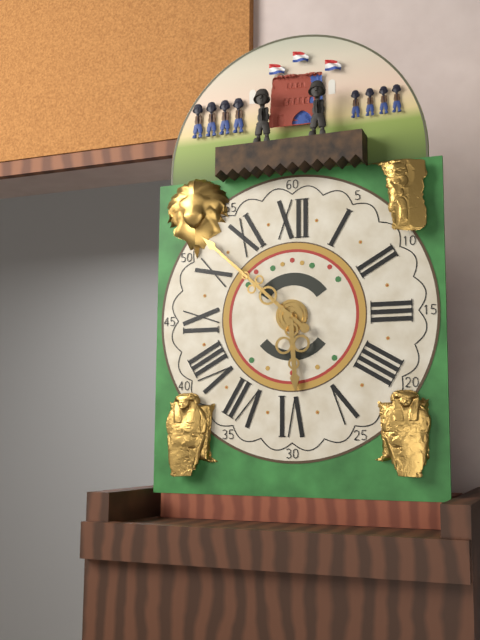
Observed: 5:52
